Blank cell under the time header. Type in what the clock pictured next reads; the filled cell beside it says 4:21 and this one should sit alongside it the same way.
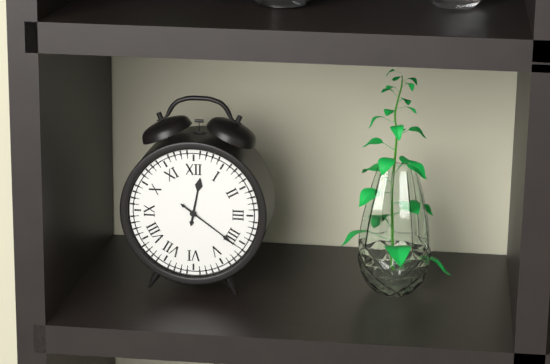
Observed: 12:21
